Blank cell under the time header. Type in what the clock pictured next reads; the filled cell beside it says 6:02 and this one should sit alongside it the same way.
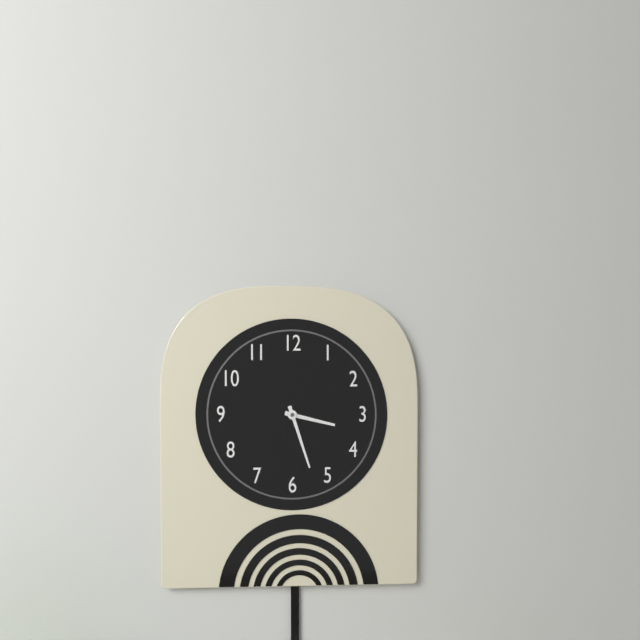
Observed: 3:27
